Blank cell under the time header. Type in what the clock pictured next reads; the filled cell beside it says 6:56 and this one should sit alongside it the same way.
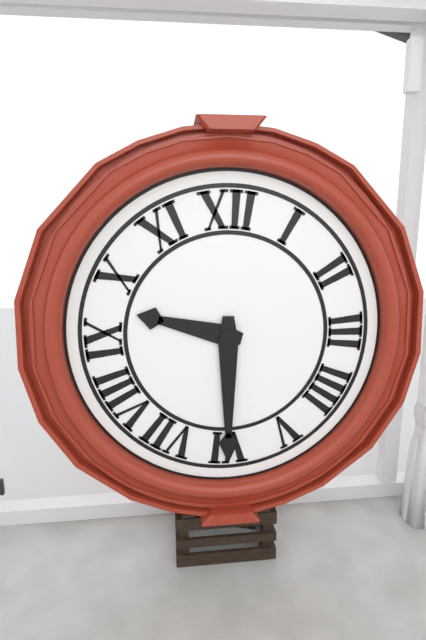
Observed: 9:30
